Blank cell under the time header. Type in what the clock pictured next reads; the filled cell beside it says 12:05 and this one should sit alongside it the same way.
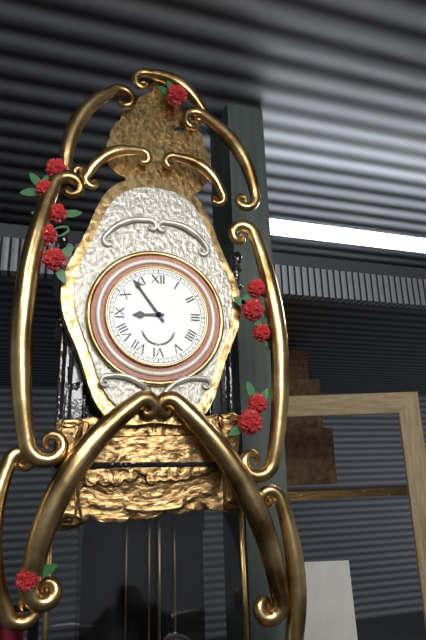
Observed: 8:54
